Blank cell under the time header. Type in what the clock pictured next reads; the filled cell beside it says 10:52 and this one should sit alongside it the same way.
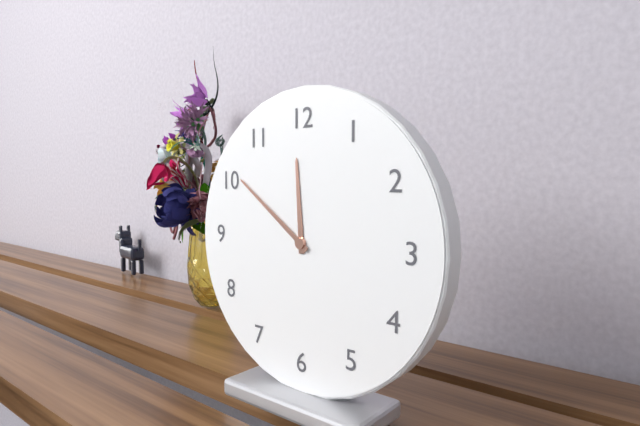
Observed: 11:51
